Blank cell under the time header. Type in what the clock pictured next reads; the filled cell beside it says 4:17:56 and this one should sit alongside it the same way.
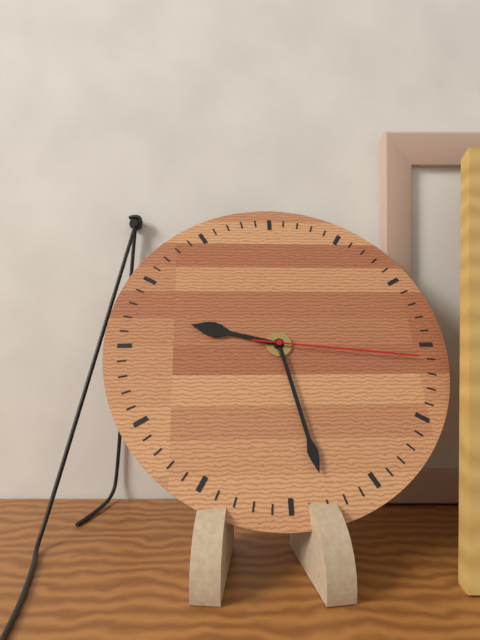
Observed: 9:28:16
